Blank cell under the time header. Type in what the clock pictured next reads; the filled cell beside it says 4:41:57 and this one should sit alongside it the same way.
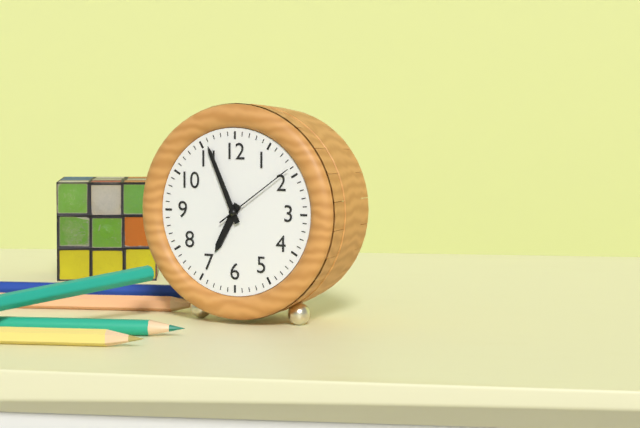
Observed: 6:56:09
